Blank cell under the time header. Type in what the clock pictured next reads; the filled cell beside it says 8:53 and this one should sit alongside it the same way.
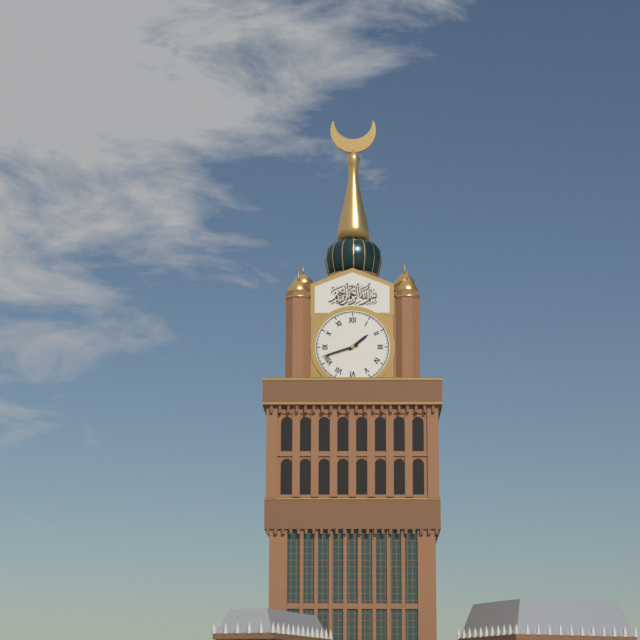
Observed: 1:42
